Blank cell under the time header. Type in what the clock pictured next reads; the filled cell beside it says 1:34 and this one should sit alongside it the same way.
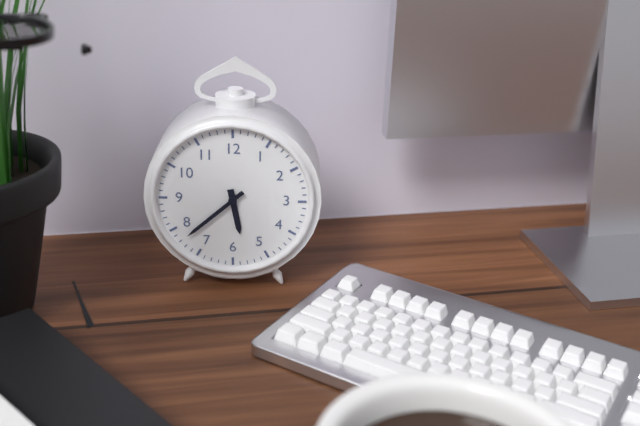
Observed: 5:38
